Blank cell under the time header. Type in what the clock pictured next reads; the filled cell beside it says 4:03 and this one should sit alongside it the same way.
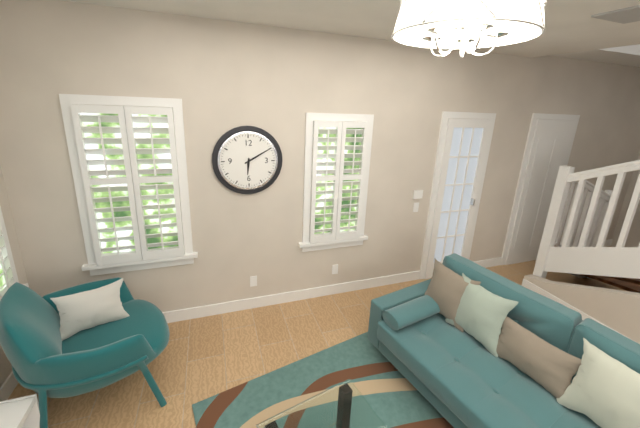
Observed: 6:10
